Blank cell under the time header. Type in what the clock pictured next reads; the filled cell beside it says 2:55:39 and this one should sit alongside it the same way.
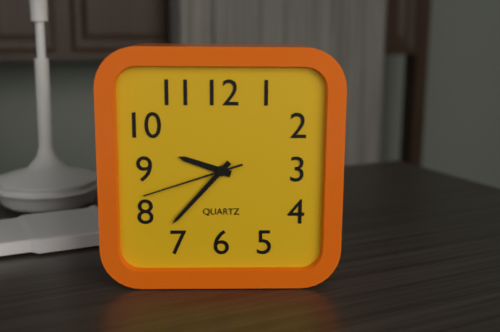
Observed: 9:37:42
